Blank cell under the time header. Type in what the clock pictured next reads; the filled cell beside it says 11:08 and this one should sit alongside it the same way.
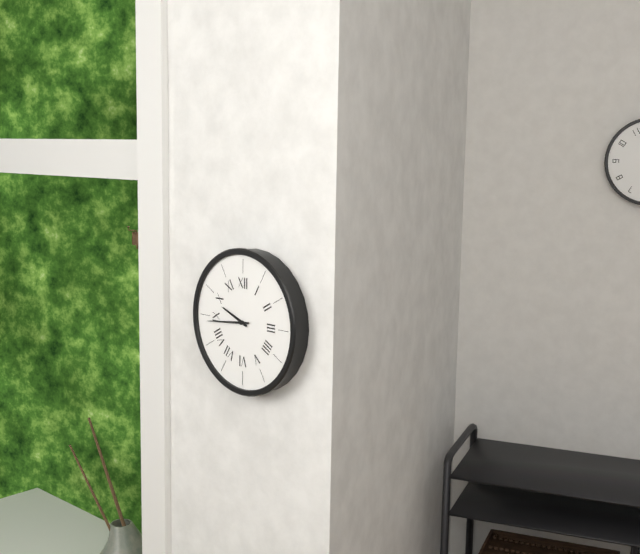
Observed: 9:44
